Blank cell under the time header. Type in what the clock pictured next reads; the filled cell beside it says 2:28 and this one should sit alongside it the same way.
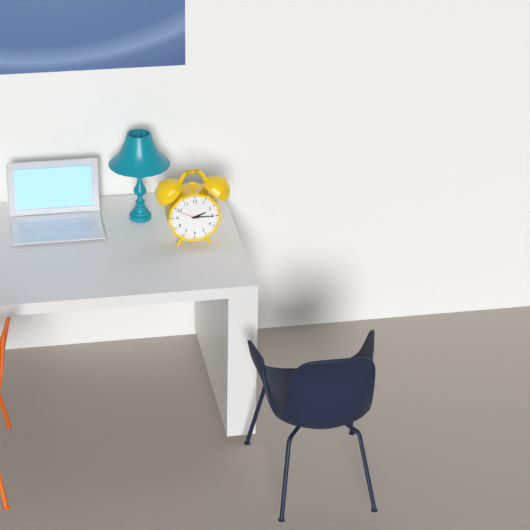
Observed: 2:15
